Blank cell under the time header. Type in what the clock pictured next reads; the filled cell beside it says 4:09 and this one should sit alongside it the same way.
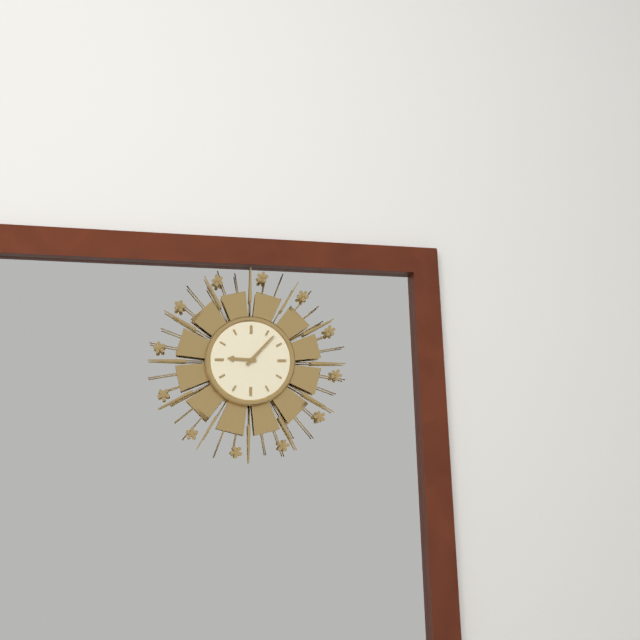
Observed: 9:07
